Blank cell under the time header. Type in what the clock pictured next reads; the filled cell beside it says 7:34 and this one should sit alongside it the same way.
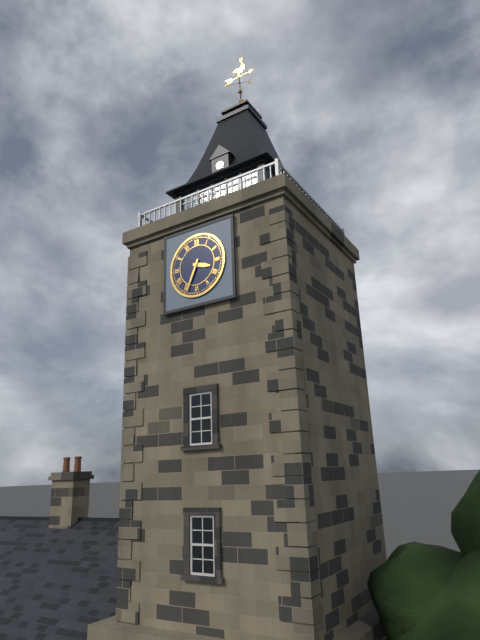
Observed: 3:34
